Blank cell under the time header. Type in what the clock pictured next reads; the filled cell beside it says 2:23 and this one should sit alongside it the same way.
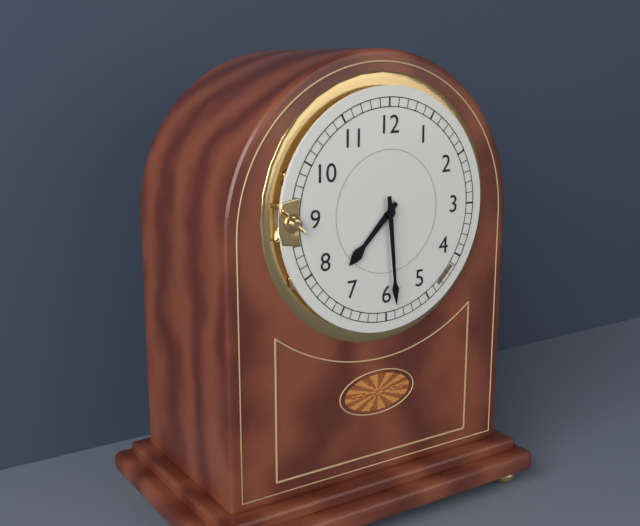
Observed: 7:29
